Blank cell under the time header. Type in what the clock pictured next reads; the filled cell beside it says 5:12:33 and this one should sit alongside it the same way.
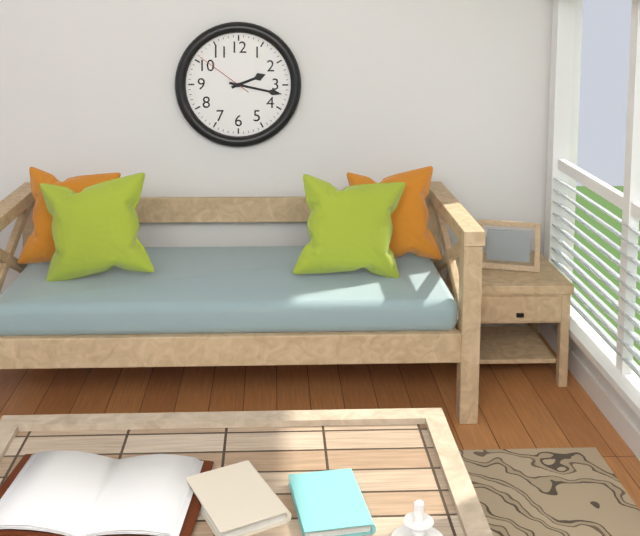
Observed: 2:17:51
